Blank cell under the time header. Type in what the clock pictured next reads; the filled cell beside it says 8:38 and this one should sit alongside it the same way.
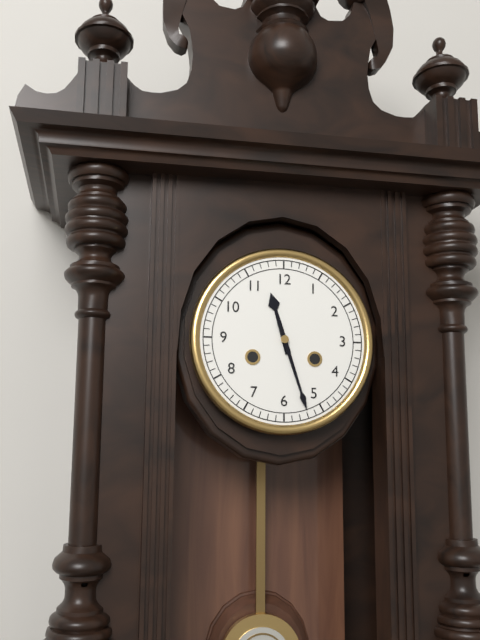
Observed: 11:27
